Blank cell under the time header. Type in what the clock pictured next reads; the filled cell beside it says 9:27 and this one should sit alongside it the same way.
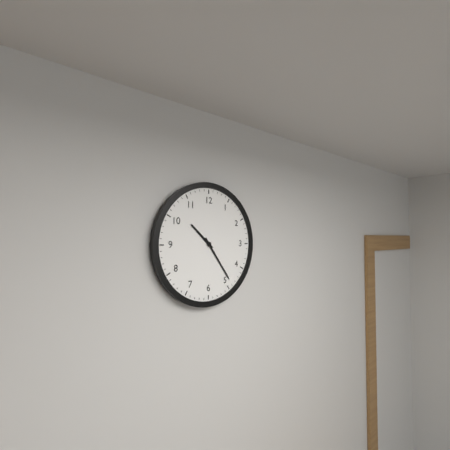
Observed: 10:24
